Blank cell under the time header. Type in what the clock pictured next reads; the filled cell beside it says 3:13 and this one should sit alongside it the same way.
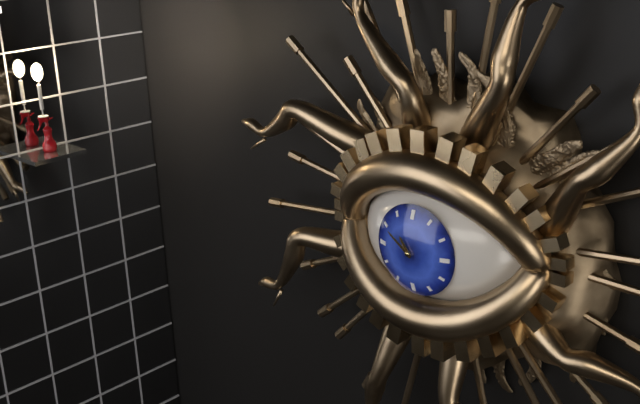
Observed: 10:51
